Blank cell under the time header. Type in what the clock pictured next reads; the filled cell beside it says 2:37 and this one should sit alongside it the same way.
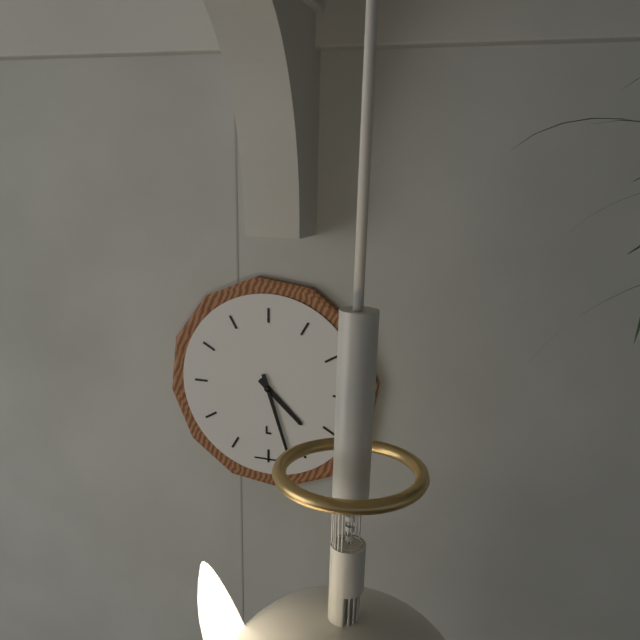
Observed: 4:27
